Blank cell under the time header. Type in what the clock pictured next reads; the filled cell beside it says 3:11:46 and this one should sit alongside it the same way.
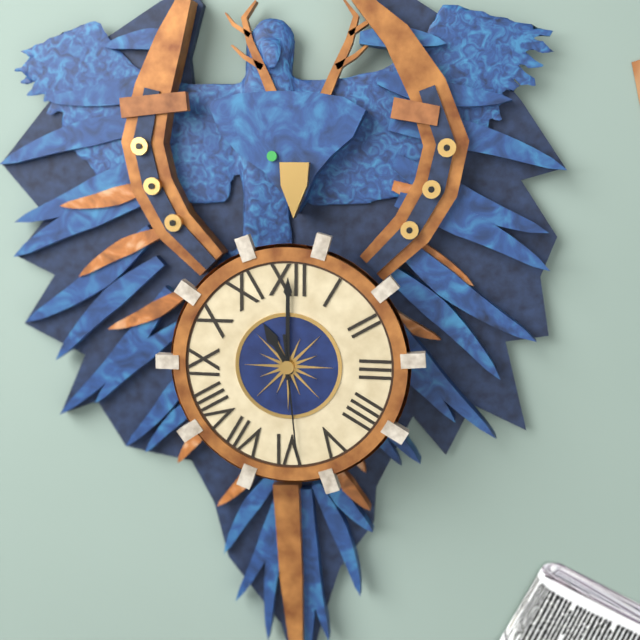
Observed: 11:00:29
